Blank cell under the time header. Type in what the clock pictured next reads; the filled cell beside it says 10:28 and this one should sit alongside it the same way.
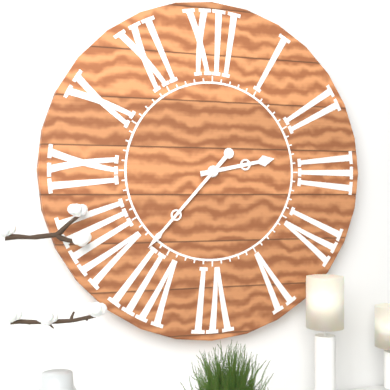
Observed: 2:37
